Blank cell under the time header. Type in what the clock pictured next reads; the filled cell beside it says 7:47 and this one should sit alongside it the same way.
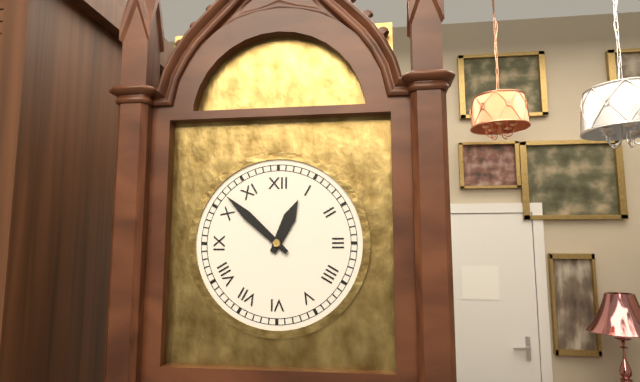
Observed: 12:52
